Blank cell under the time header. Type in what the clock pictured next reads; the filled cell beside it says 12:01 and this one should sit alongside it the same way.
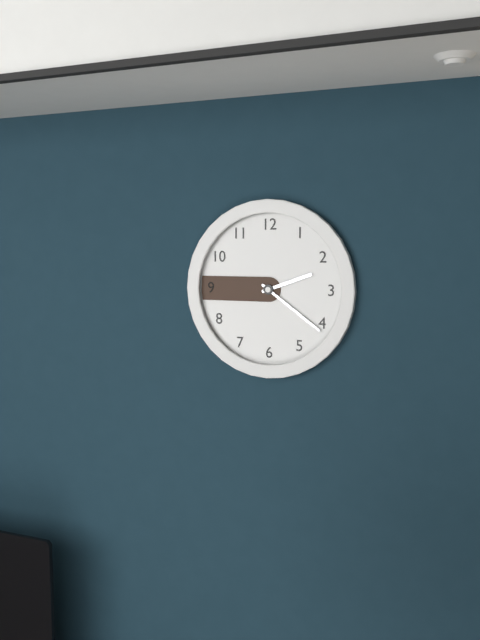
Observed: 2:21
